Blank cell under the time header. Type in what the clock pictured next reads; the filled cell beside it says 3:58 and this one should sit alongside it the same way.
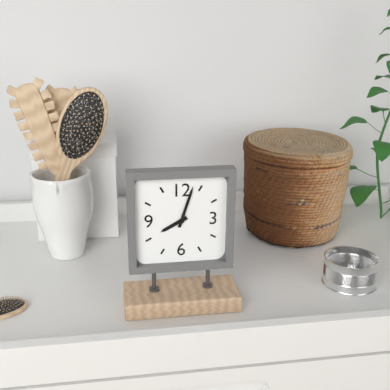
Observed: 8:03
